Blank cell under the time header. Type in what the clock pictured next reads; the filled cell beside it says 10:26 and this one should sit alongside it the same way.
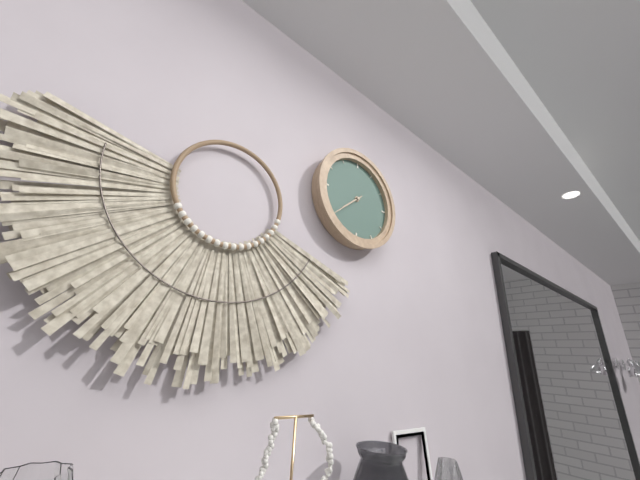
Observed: 7:38
